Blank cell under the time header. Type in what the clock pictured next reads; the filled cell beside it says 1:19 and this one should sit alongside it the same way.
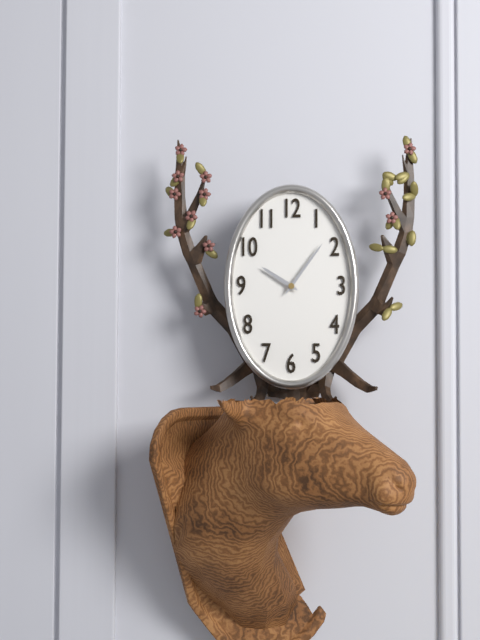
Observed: 10:06
